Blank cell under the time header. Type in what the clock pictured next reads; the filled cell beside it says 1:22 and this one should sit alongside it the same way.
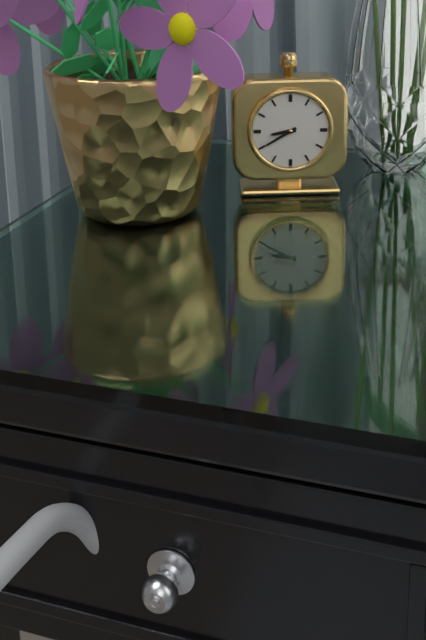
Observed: 8:40
